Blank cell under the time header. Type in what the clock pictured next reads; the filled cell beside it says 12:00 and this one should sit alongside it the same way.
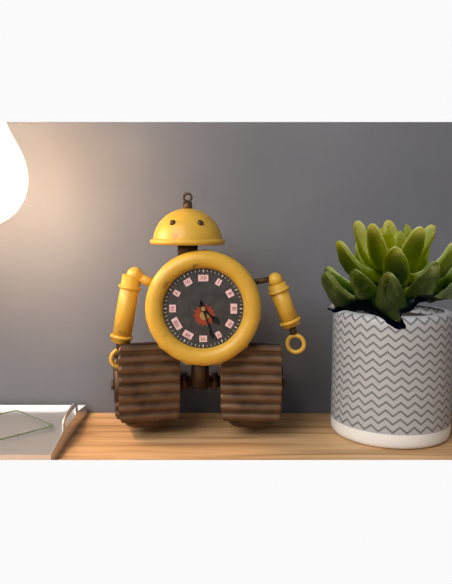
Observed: 4:27
